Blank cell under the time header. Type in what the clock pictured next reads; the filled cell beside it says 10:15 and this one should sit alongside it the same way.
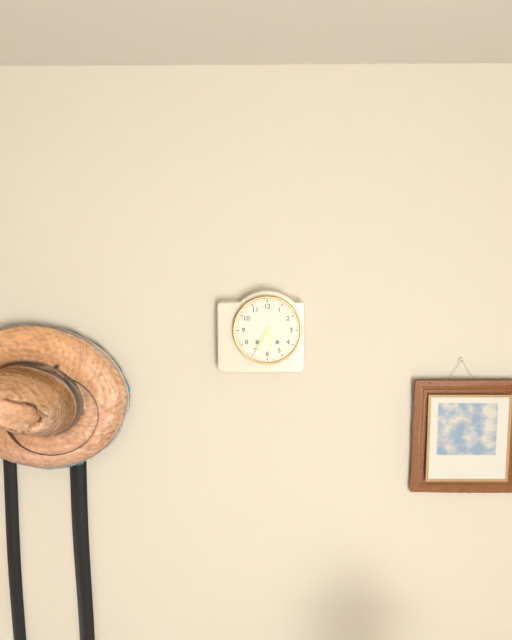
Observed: 5:35
